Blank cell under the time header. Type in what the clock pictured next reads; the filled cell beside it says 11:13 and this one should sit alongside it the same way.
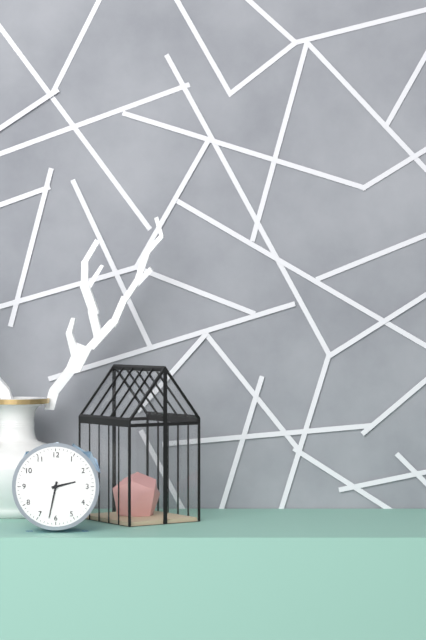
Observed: 2:32
